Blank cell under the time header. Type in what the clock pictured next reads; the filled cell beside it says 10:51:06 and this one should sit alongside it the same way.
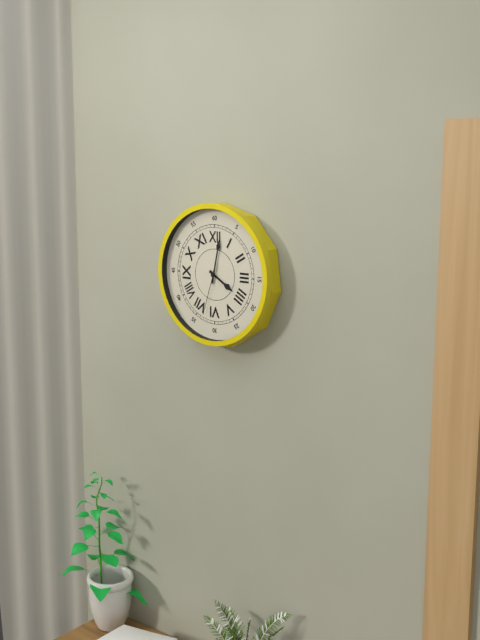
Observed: 4:02:33
